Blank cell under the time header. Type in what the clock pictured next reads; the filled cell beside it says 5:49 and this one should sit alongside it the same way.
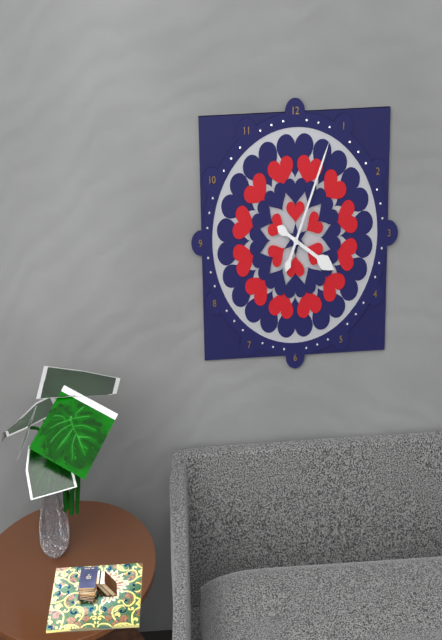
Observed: 4:04
